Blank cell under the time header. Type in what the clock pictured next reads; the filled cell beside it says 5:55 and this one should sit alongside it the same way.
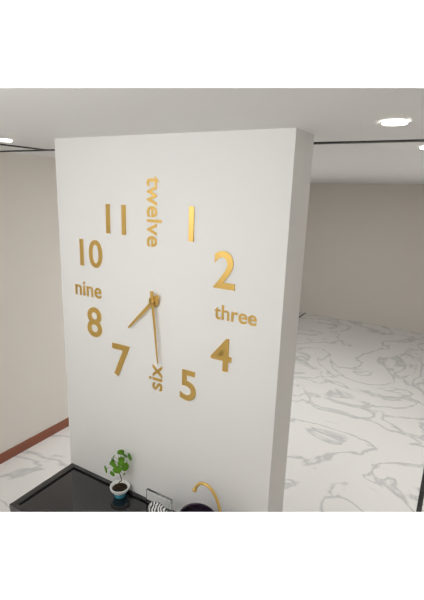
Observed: 7:29
